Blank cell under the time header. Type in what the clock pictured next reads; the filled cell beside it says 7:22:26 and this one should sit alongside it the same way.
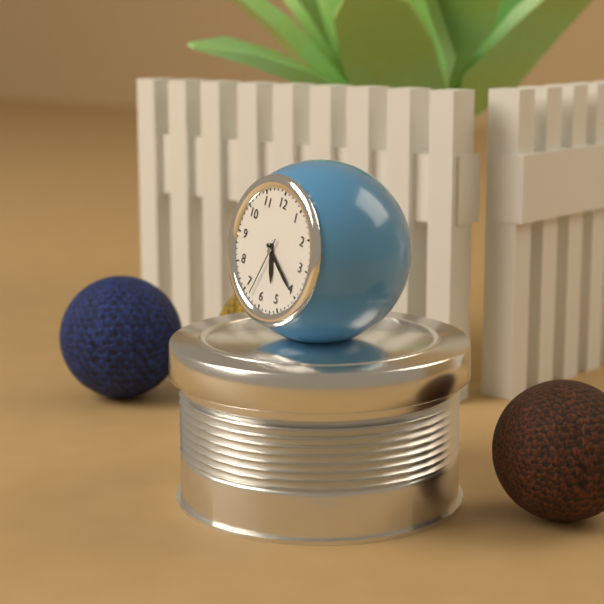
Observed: 5:20:33
